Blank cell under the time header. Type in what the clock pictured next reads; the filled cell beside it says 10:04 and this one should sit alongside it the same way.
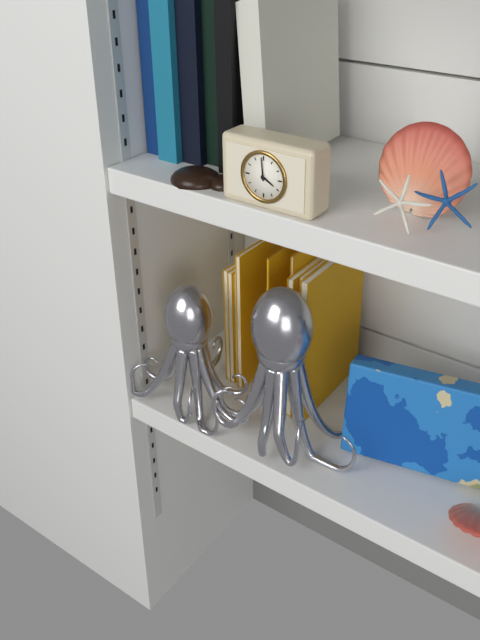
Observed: 3:59
